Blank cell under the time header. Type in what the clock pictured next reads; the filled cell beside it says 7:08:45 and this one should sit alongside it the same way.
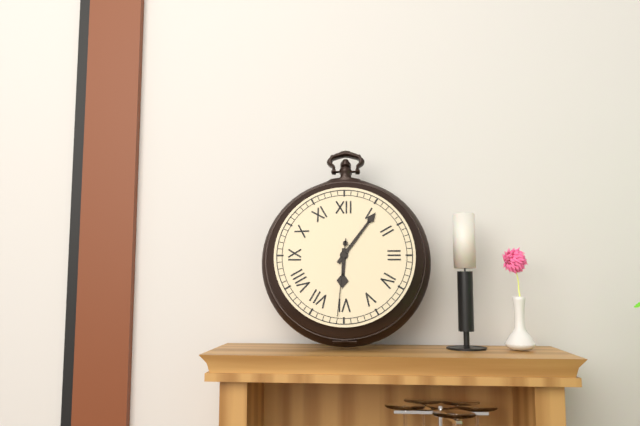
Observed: 6:06:31
